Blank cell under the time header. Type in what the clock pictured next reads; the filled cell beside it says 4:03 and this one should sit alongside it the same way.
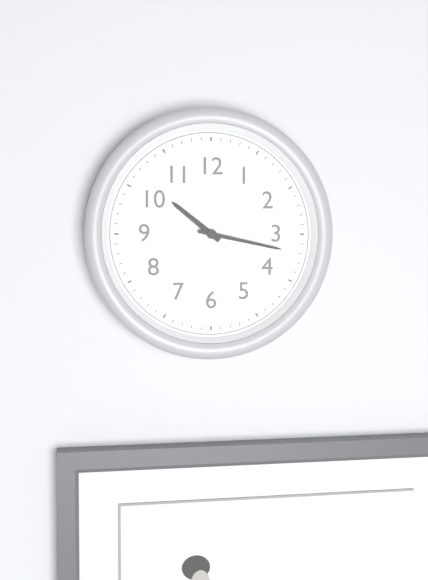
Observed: 10:17
